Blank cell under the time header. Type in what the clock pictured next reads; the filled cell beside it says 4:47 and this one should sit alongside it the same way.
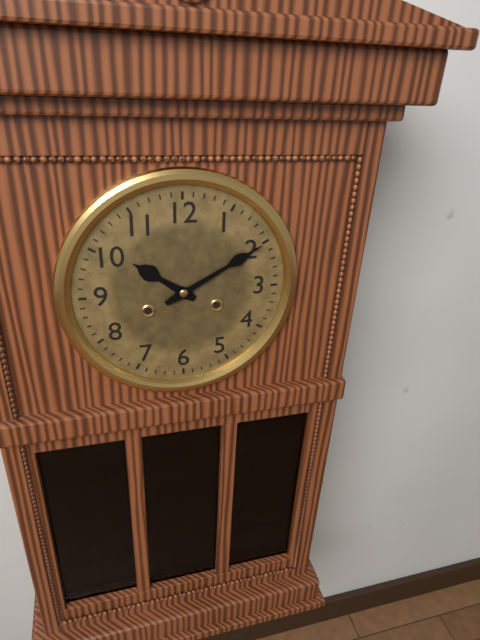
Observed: 10:10
